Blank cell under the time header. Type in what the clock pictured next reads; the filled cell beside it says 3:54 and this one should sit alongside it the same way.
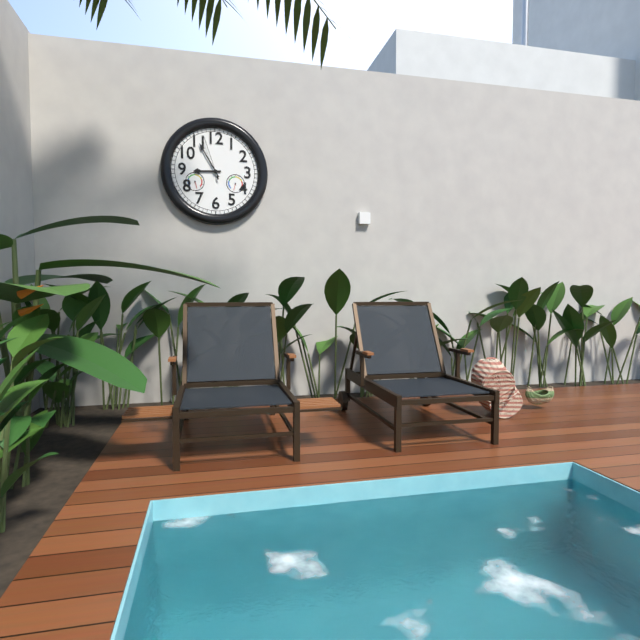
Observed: 8:55
